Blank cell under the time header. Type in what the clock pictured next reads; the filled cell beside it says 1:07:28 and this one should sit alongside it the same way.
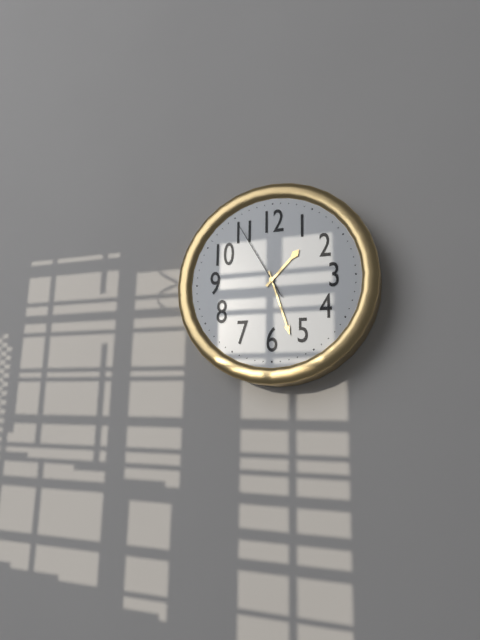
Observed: 1:27:55
